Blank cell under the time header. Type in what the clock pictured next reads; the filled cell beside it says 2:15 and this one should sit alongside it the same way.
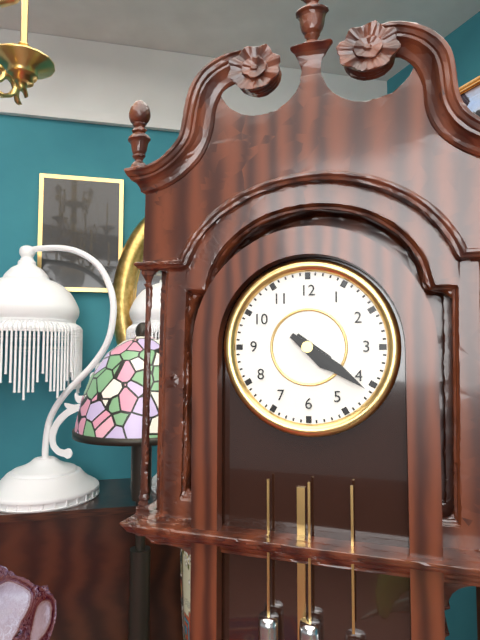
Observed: 4:21
